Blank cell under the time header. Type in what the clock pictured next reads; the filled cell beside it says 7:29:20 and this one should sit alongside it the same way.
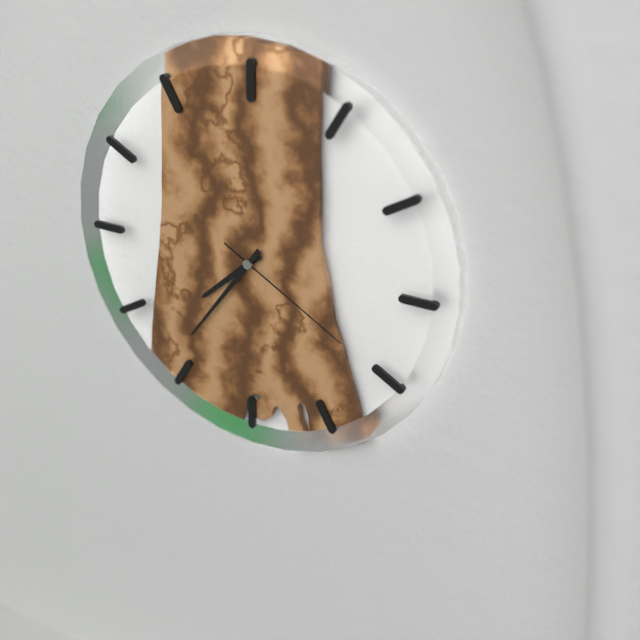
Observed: 7:36:20
